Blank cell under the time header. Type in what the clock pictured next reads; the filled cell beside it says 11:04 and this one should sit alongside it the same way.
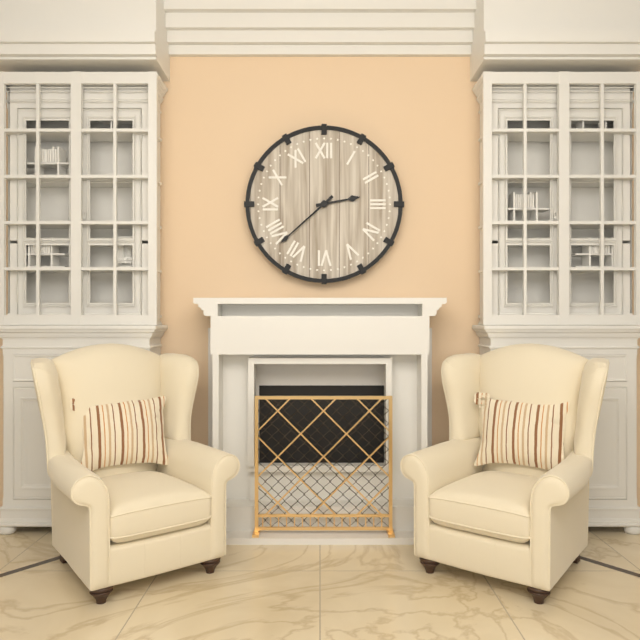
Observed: 2:38
